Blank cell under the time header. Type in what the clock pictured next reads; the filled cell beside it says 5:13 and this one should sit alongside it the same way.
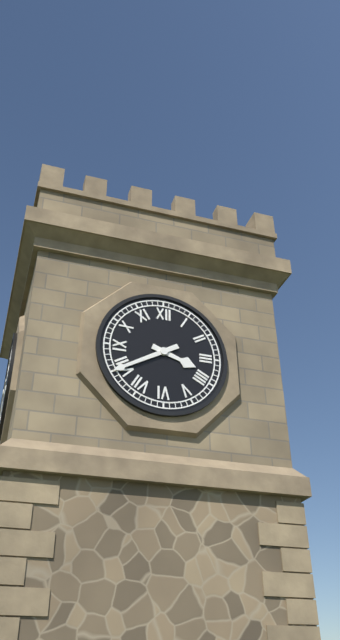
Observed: 3:40
